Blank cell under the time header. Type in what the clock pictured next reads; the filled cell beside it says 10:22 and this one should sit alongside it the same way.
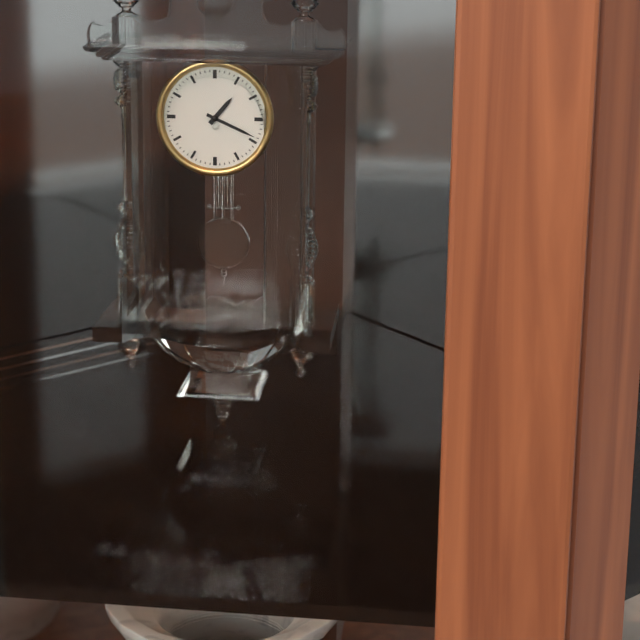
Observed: 1:19
